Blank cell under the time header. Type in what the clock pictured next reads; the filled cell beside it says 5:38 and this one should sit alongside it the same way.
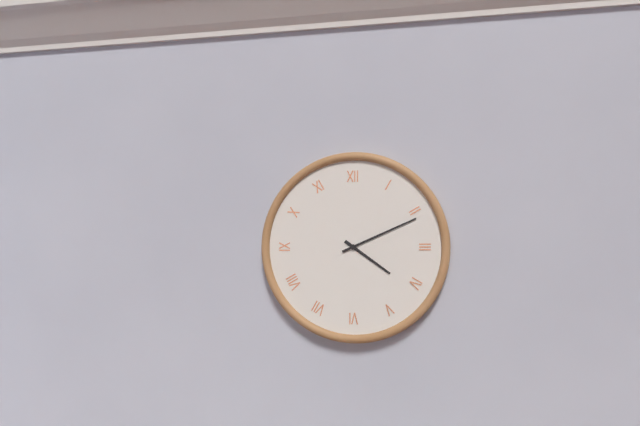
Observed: 4:11
